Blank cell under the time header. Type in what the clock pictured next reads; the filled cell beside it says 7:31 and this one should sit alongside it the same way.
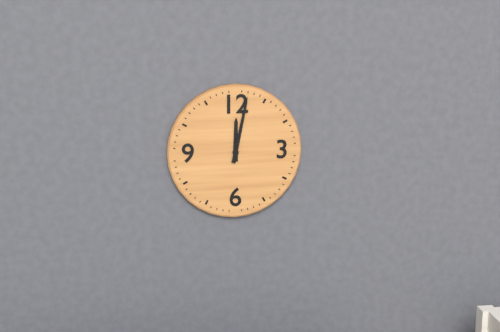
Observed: 12:02
